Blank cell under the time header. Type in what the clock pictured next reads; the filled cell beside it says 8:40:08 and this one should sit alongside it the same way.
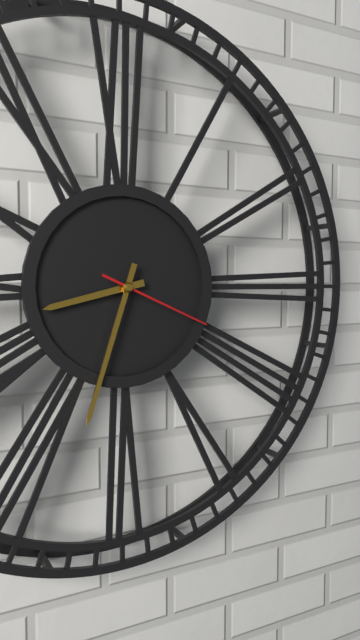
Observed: 8:33:19
